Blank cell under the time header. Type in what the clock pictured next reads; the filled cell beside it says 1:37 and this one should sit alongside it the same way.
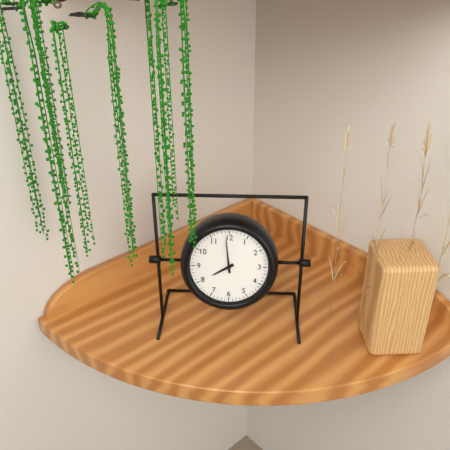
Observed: 7:59
